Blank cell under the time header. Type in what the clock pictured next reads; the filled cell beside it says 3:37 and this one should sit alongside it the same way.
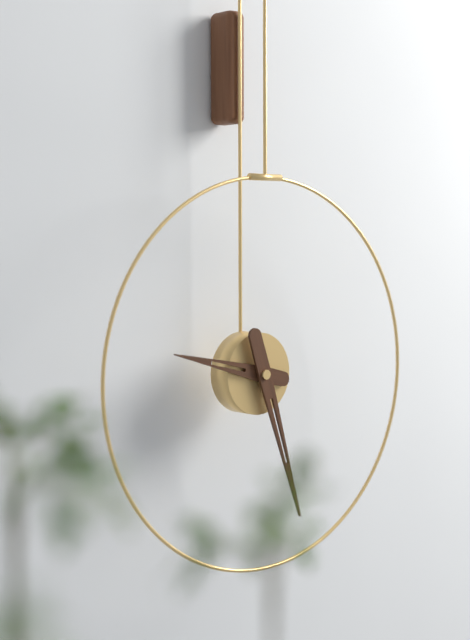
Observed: 9:27
